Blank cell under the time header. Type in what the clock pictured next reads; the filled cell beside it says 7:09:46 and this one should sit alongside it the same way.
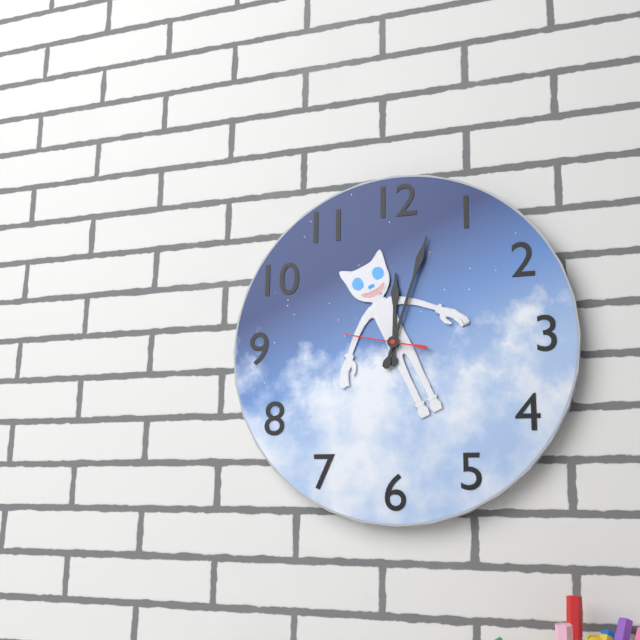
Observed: 12:03:47
